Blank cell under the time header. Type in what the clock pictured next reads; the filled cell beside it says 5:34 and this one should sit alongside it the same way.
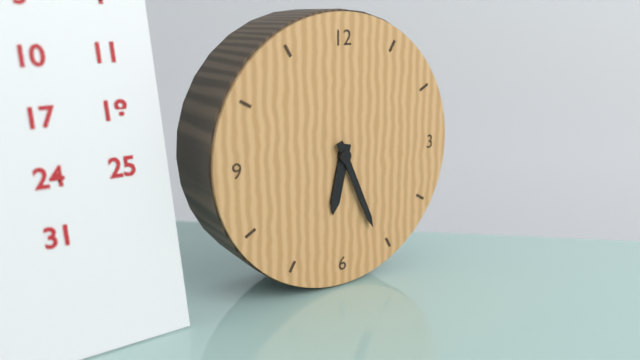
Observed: 6:26
